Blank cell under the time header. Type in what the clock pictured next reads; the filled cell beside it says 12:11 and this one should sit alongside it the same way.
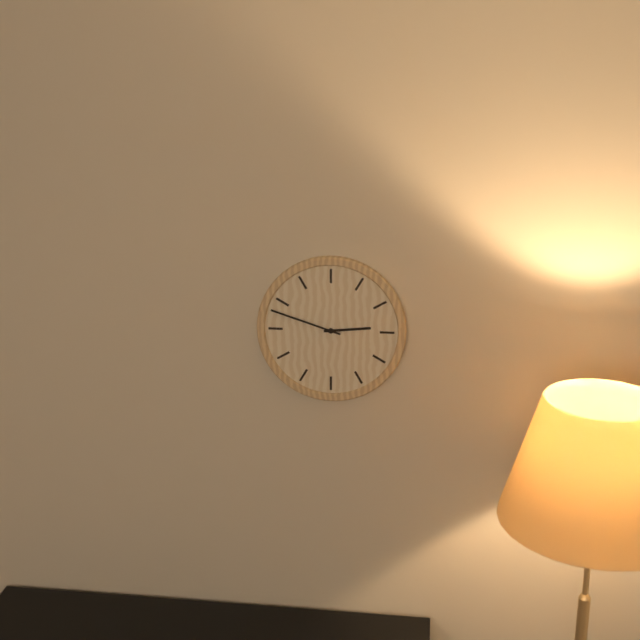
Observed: 2:48
